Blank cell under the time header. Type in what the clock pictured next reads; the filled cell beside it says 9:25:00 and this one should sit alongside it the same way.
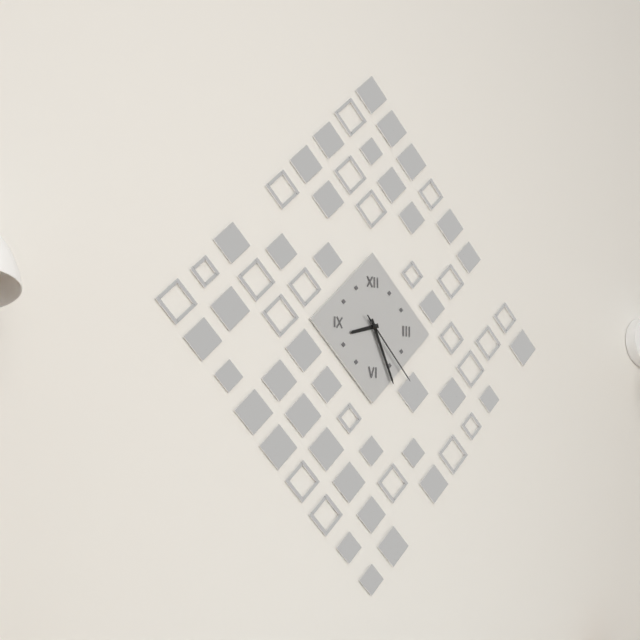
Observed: 8:26:23
